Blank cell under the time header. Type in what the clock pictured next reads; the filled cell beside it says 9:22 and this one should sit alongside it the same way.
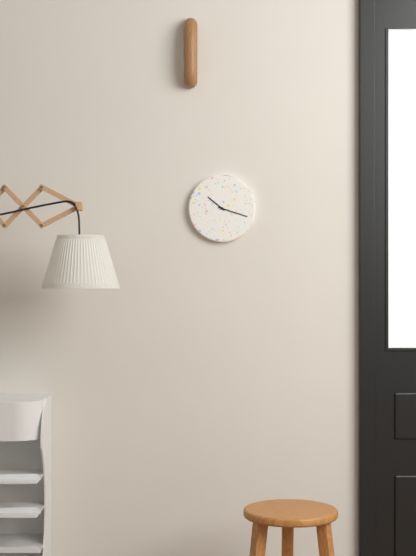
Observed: 10:18
